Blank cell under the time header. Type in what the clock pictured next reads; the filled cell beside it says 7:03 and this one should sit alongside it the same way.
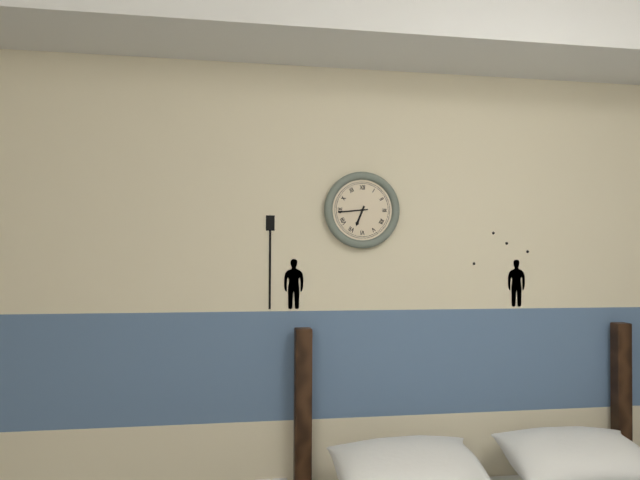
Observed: 6:44
